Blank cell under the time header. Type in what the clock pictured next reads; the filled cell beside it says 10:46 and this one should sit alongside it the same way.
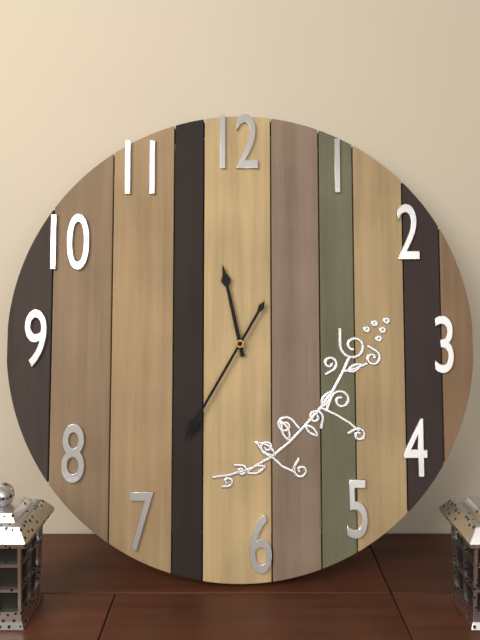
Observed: 11:35
